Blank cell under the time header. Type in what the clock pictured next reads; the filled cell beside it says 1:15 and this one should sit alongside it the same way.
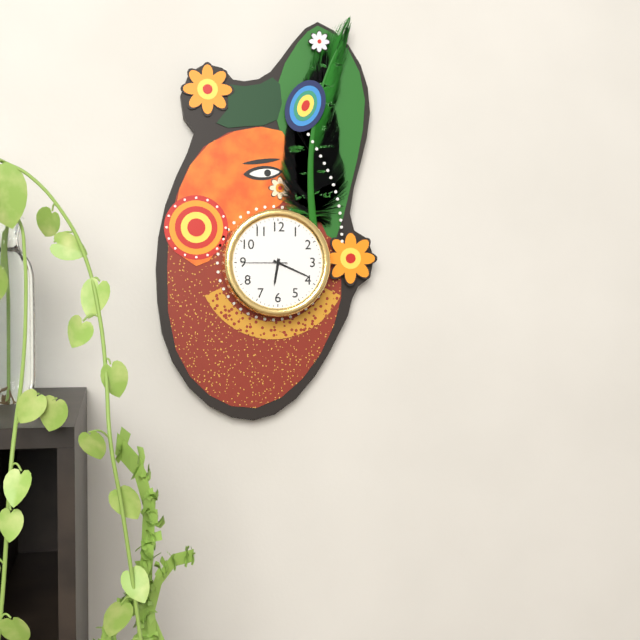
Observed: 6:19
